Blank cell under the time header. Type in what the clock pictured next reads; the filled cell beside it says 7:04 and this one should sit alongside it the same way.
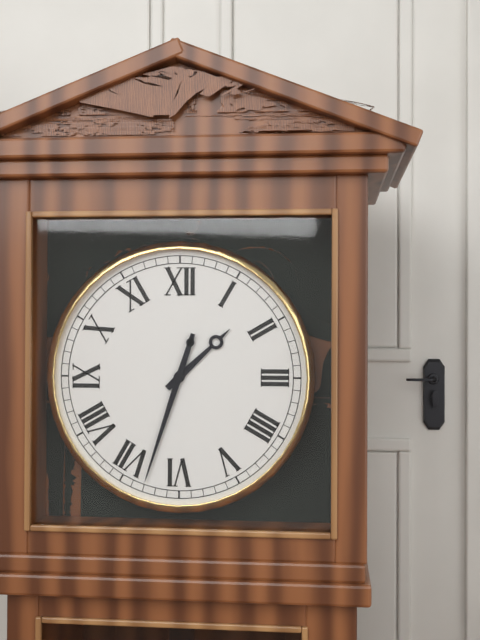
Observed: 1:33
